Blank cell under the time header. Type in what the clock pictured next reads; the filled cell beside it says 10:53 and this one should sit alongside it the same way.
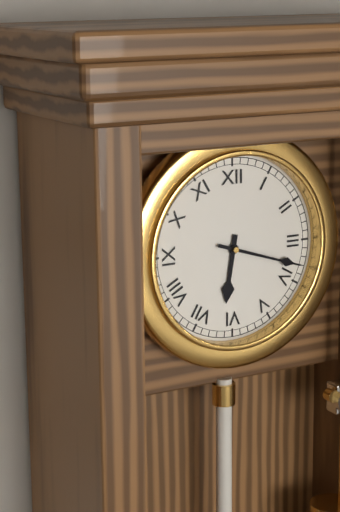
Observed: 6:18
